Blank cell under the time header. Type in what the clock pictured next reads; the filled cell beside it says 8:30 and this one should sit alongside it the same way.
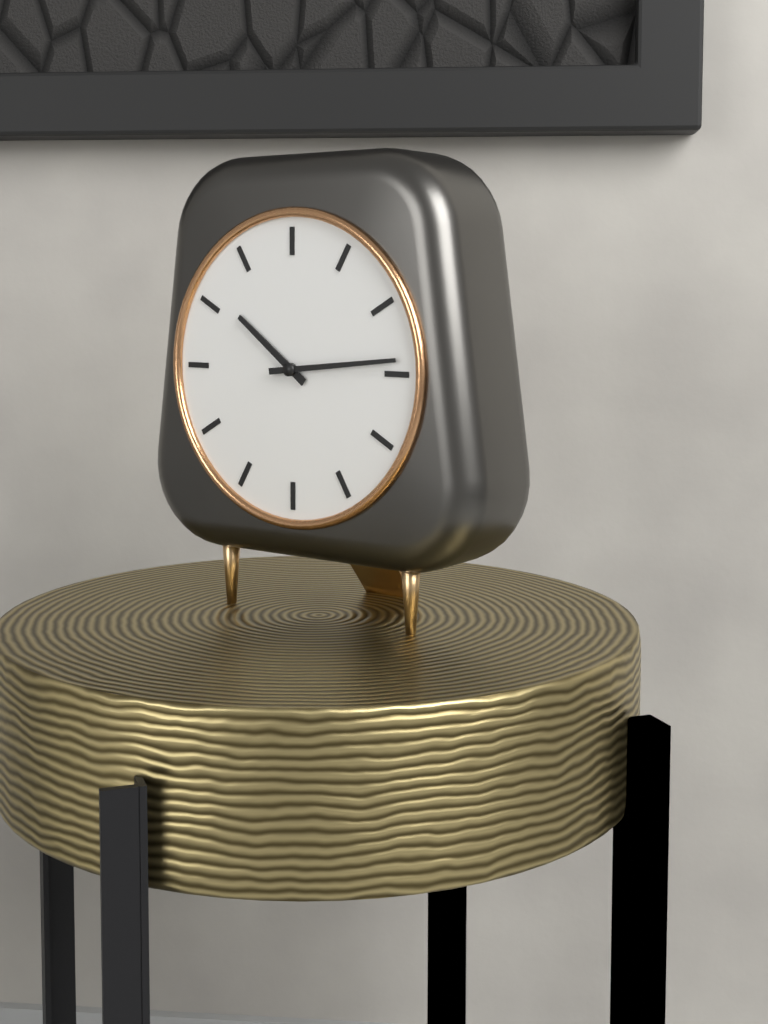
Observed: 10:14
